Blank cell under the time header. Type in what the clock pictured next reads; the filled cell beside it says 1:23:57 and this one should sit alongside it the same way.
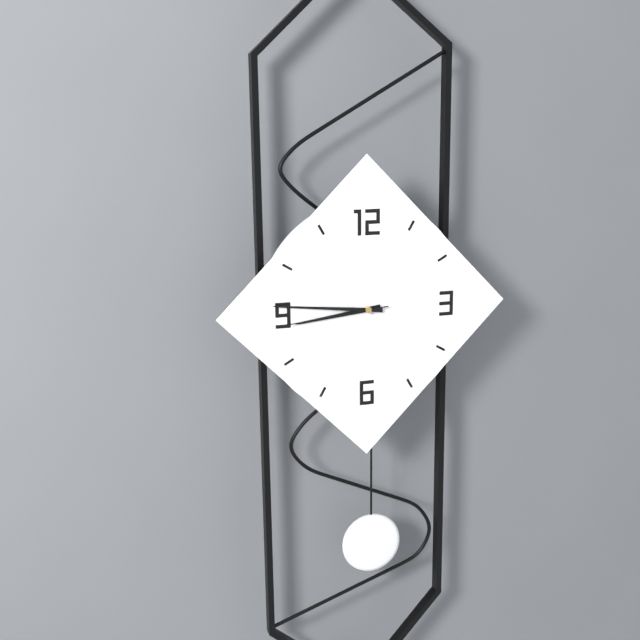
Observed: 8:46:44
